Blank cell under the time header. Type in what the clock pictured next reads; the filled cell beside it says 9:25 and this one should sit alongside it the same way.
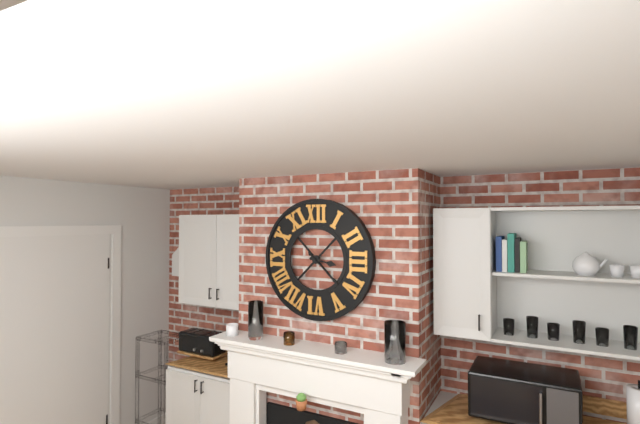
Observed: 3:22
